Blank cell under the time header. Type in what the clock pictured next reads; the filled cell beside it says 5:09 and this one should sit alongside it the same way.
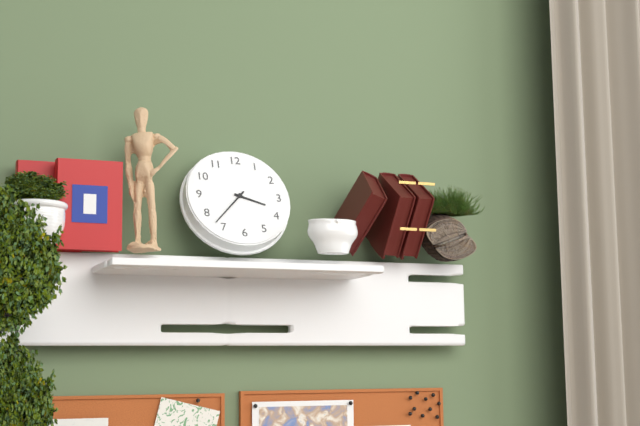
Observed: 3:37
